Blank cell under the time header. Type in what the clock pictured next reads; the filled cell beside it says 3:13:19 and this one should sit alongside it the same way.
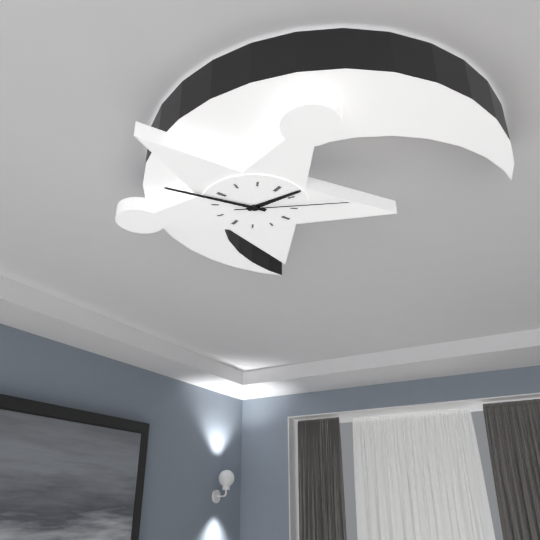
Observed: 12:43:08
